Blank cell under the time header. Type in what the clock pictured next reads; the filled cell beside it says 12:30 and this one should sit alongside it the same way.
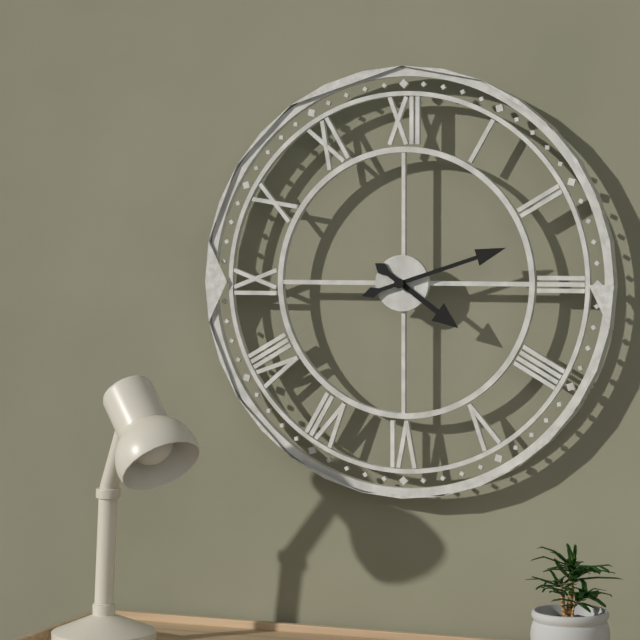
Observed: 4:12
